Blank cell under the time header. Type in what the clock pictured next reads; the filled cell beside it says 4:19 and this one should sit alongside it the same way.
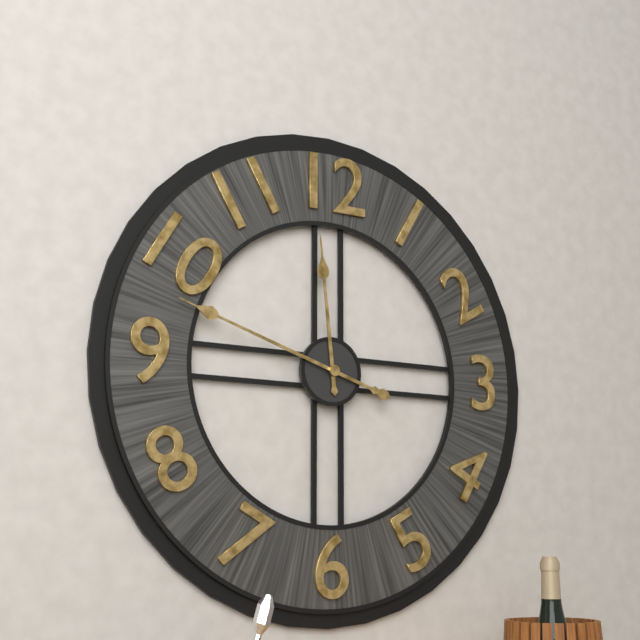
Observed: 11:48
